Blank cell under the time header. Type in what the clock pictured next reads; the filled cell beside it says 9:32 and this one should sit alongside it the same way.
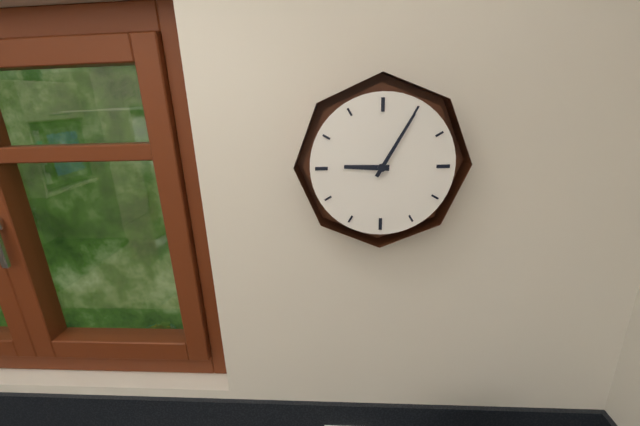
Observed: 9:05
